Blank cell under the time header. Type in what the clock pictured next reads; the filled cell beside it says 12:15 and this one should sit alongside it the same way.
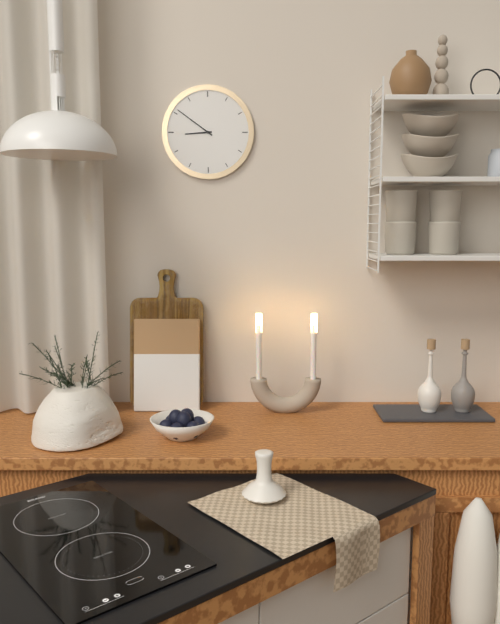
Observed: 8:51
